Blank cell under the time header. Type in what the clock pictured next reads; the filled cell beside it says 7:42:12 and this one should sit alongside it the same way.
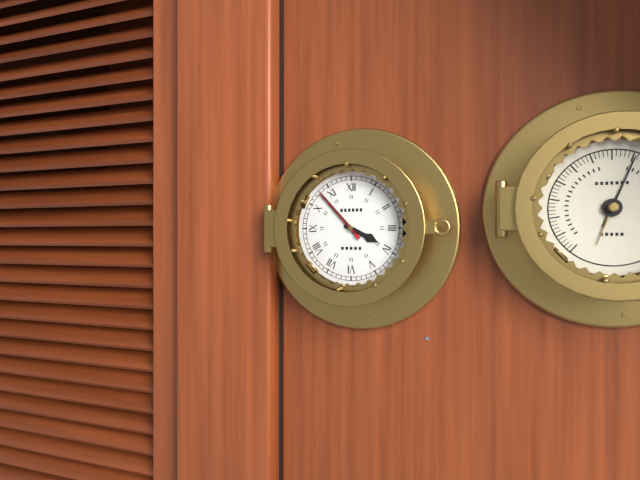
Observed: 3:53:53
